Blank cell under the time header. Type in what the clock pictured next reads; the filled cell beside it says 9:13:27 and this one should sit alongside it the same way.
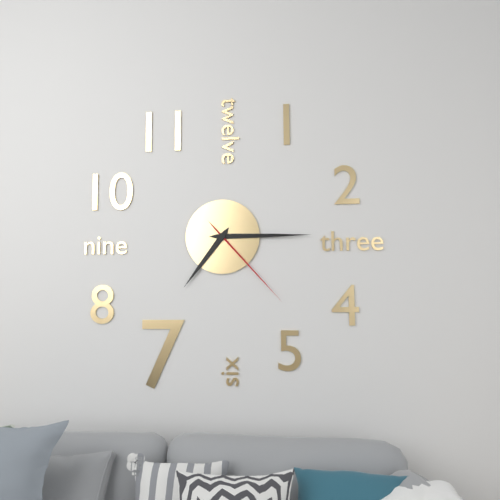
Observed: 7:15:23
